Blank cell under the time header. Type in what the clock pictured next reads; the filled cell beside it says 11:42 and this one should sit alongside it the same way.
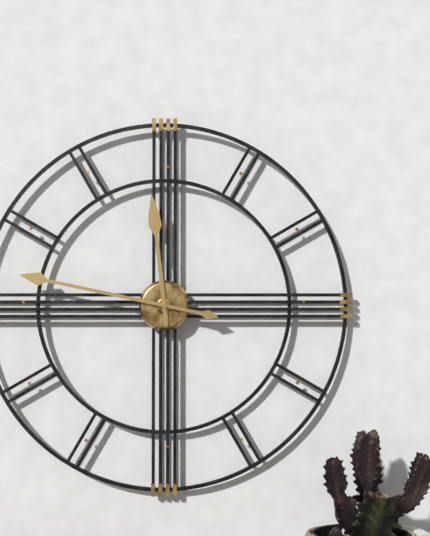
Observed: 11:47
